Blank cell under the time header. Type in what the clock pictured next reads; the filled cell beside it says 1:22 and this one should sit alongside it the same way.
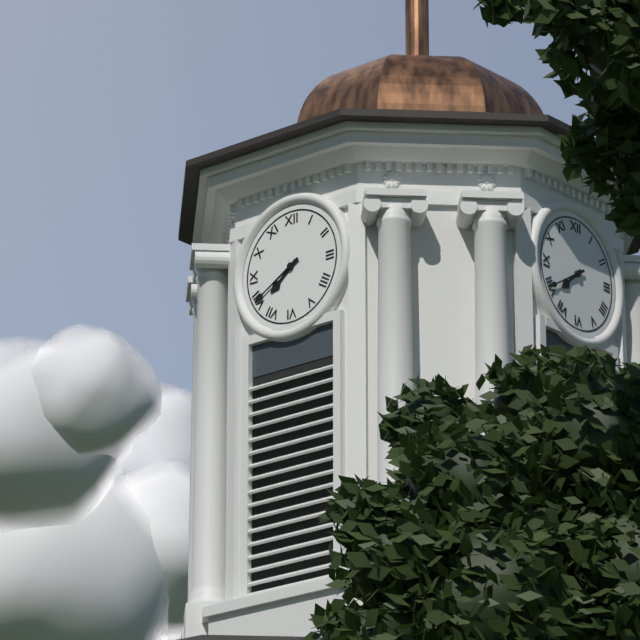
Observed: 7:40
